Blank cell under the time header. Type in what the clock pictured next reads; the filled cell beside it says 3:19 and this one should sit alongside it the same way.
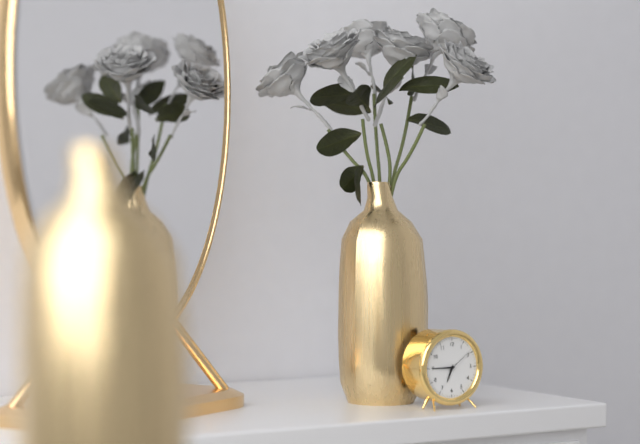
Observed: 6:45
